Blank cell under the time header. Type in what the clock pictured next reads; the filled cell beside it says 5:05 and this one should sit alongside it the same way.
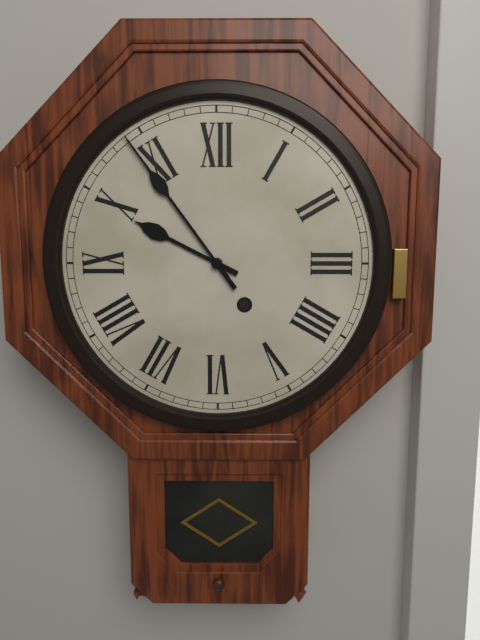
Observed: 9:54
